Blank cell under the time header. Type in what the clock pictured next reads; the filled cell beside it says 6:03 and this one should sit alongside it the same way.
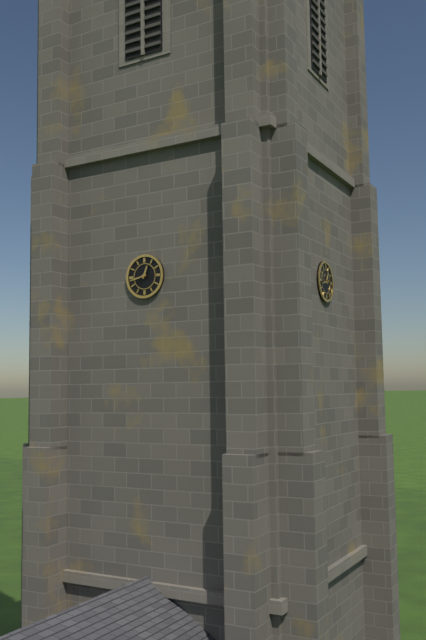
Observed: 12:43
